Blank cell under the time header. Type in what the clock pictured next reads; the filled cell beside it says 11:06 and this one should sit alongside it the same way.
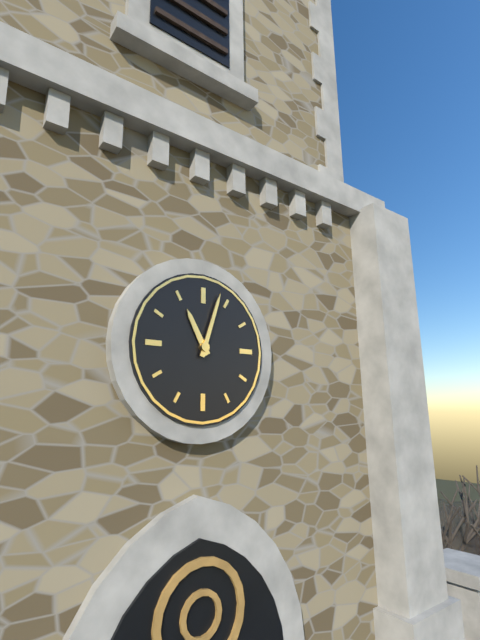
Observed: 11:03
